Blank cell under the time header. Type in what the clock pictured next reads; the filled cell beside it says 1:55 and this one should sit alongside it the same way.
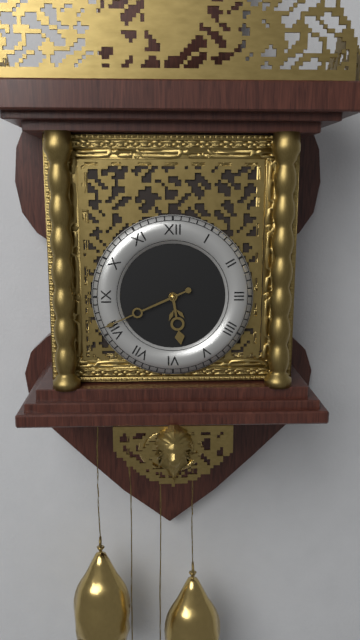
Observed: 5:41
